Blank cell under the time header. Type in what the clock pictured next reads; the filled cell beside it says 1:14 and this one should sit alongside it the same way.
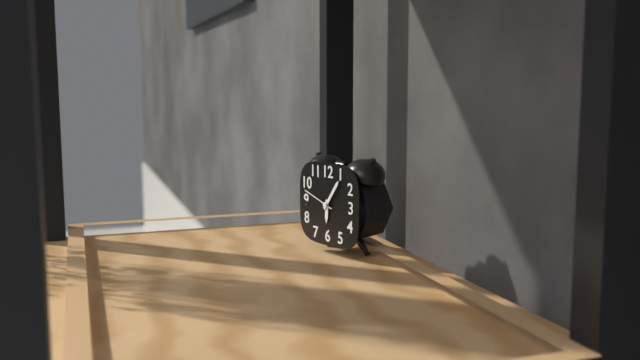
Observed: 6:06
